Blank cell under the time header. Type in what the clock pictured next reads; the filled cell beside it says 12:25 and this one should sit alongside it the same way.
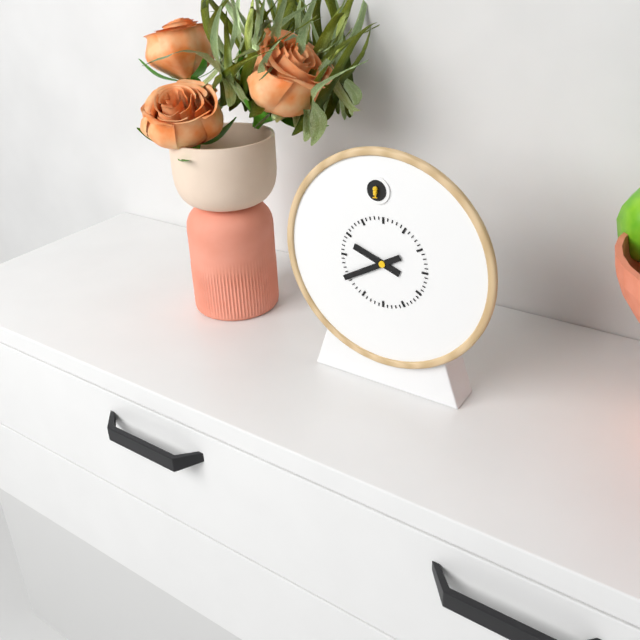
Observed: 9:40
